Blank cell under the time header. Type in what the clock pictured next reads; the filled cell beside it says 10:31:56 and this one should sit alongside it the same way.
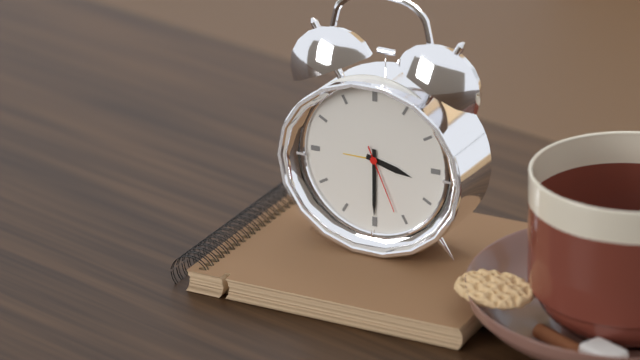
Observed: 3:30:26
